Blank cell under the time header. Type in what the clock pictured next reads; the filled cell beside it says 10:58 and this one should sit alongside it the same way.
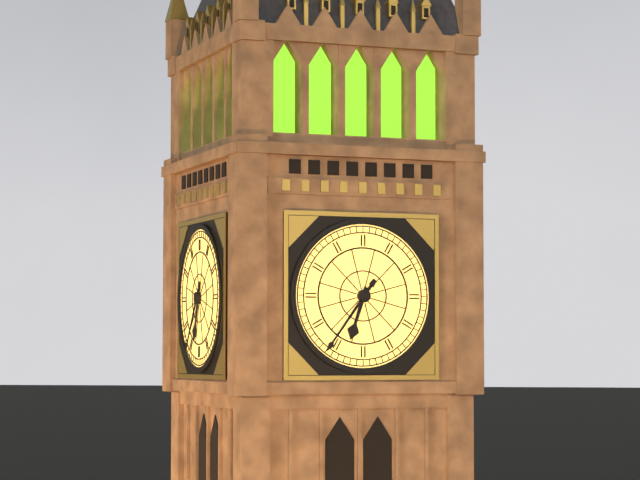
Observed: 6:36
